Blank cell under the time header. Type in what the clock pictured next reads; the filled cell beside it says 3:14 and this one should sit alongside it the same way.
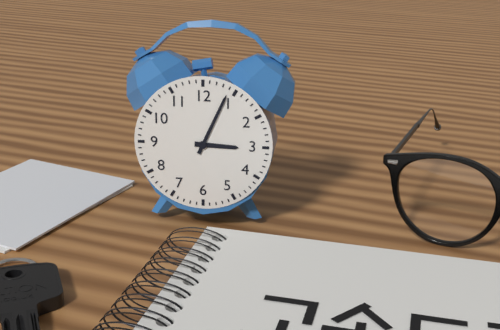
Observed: 3:04
